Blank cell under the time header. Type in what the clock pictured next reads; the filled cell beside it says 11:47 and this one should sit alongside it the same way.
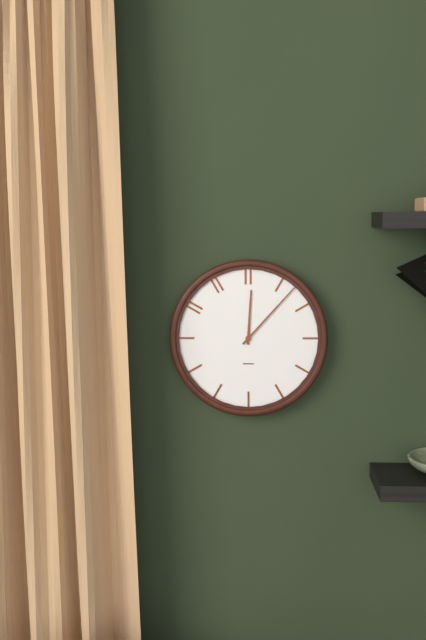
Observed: 12:07
